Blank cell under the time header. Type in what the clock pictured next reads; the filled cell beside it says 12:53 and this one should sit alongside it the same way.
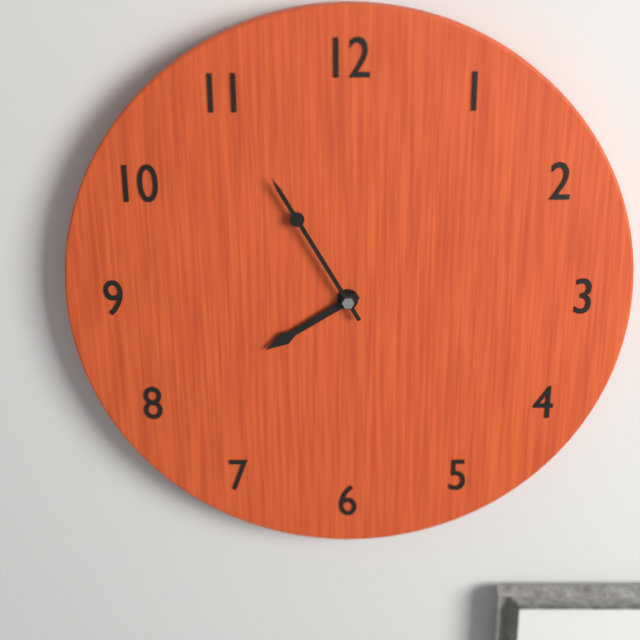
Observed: 7:55
